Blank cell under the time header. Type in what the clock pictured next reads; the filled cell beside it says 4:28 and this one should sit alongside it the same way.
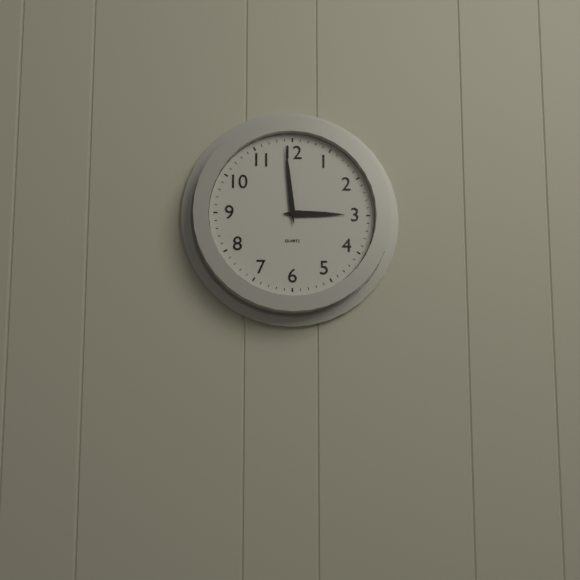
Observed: 2:59
